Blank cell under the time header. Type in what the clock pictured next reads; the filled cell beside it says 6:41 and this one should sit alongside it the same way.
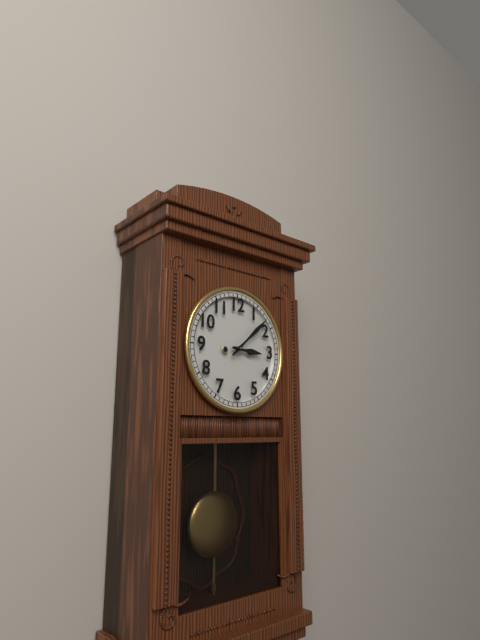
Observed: 3:08
